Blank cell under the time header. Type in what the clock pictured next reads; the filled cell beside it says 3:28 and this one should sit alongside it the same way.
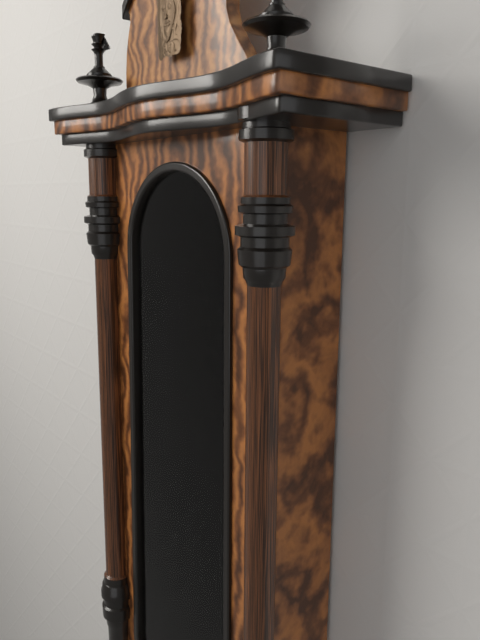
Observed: 12:09
